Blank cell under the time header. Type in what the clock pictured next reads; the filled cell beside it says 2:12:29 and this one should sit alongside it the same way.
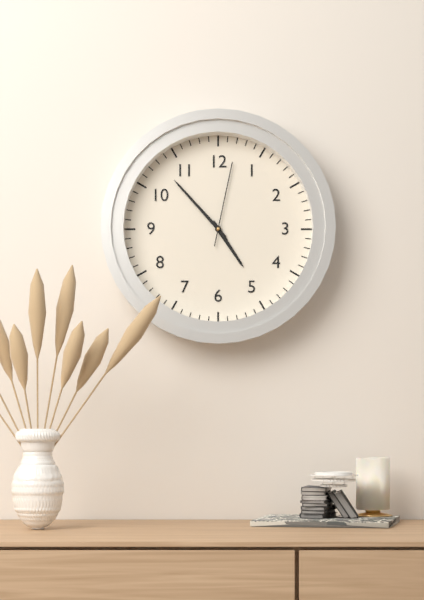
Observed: 4:53:02
